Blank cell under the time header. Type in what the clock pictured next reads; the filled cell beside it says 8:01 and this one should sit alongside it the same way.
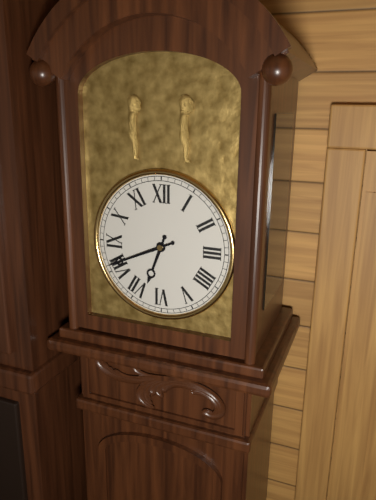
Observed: 6:41
